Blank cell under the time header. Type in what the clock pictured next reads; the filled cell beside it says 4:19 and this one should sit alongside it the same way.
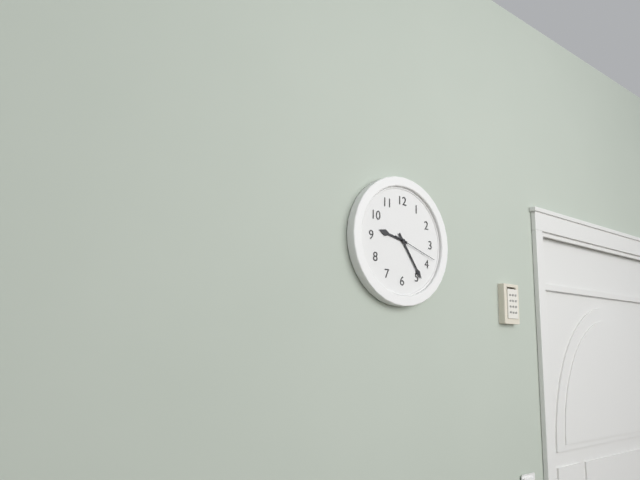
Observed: 9:24
